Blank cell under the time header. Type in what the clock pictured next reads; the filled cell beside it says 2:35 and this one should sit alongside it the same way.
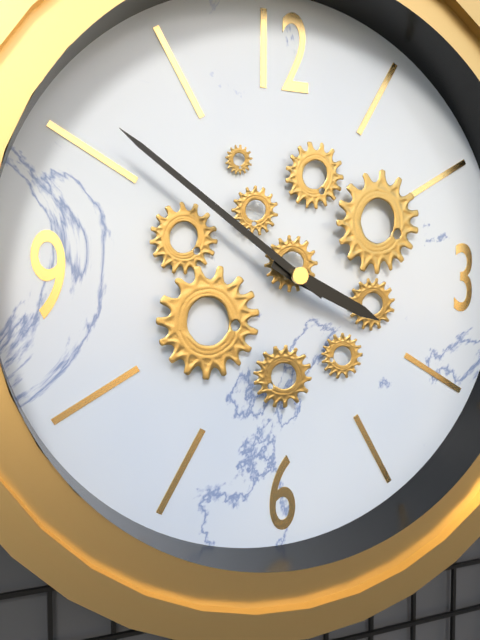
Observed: 3:51
